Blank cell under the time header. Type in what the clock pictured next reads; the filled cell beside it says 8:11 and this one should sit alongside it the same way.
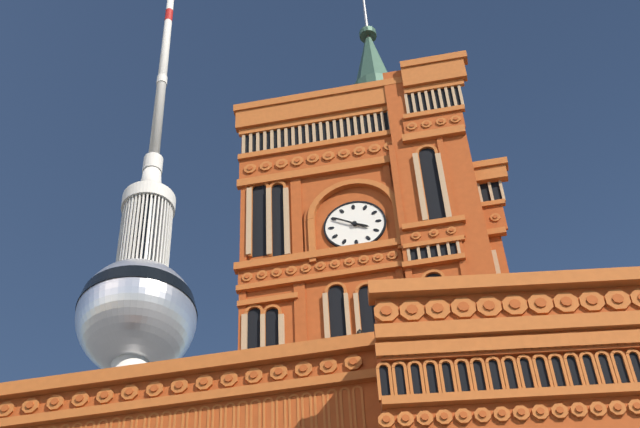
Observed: 3:50
